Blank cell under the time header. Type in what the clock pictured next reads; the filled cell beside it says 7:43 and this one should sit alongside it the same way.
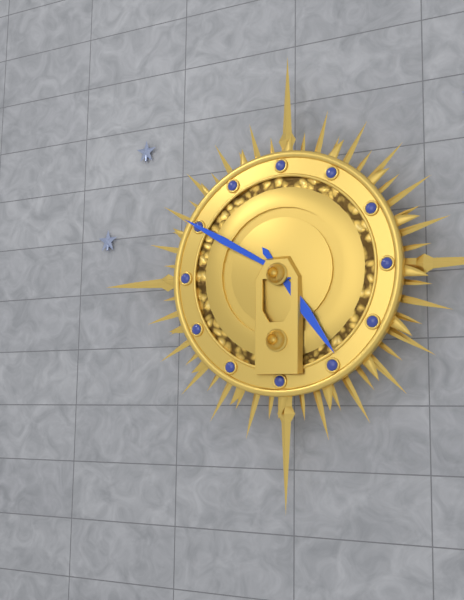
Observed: 4:50
